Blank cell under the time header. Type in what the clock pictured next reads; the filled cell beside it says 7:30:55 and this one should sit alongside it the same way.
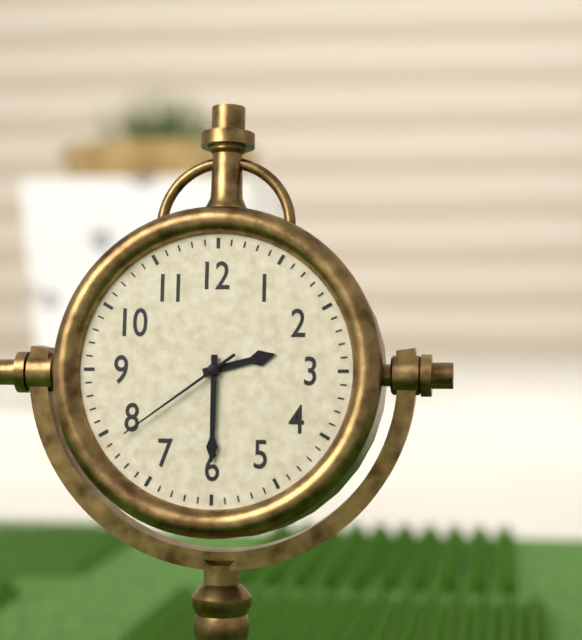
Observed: 2:30:39
